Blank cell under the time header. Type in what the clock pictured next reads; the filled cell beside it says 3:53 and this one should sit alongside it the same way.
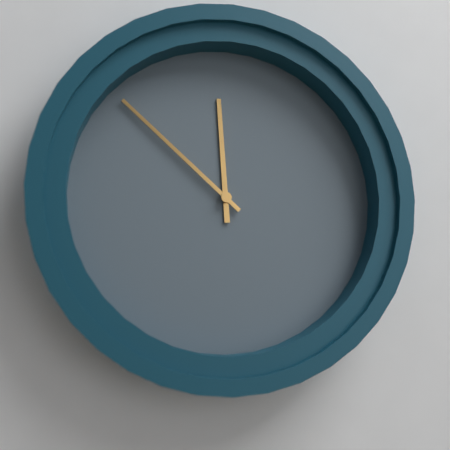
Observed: 11:52
